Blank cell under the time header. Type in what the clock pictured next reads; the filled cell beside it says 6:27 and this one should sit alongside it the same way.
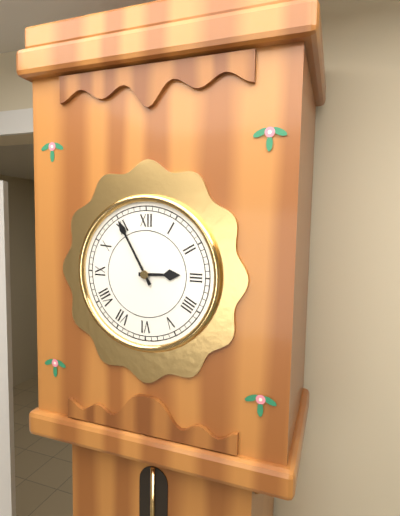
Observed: 2:55
